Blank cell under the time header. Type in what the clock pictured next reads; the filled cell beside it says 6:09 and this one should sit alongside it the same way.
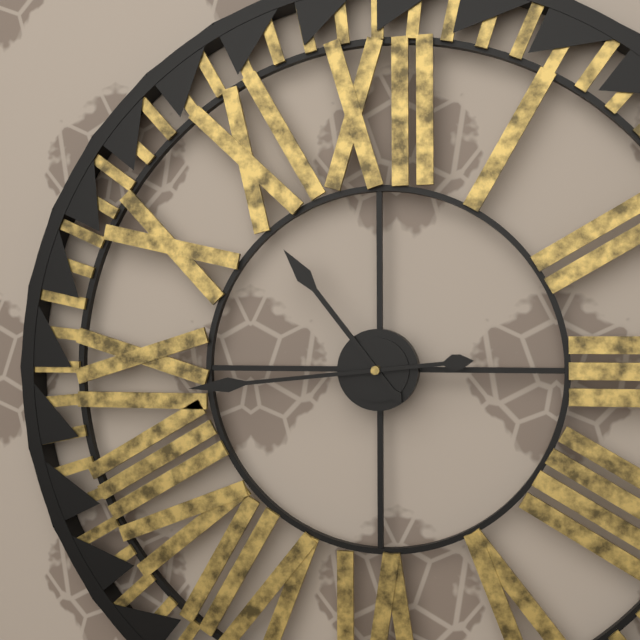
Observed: 10:44
